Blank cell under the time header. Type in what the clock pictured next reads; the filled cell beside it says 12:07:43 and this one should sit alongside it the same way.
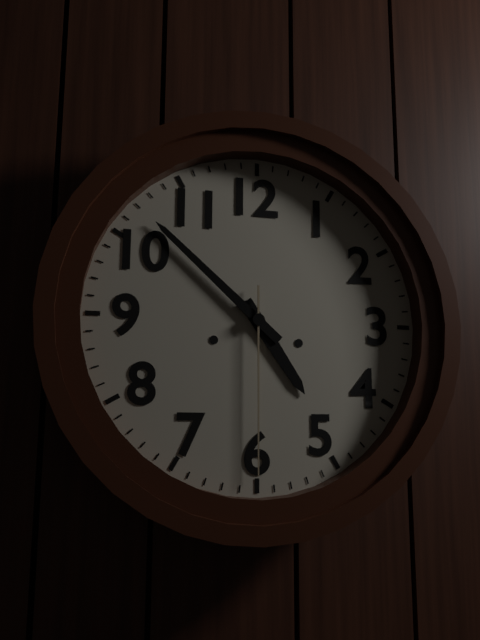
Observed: 4:52:30
